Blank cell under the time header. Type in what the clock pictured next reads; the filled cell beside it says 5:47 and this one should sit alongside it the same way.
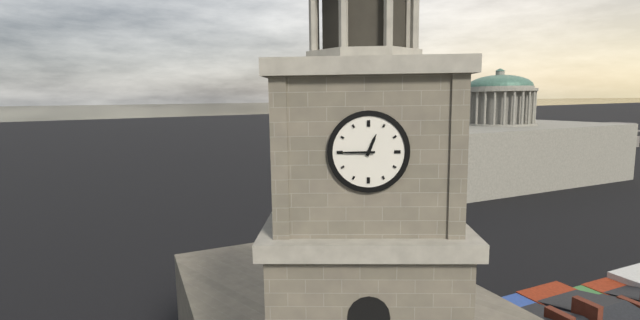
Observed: 12:45
